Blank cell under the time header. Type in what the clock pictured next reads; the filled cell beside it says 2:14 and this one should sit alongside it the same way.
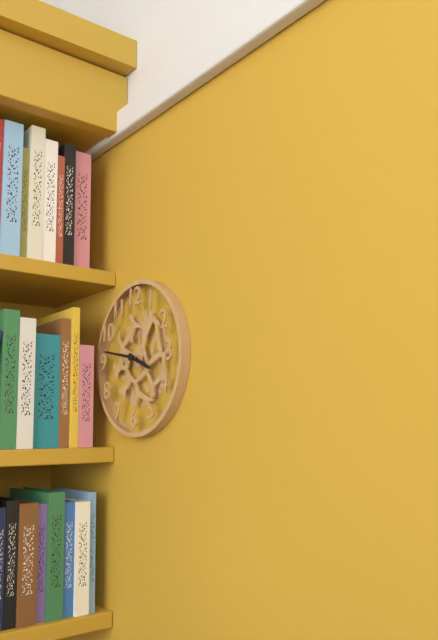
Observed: 3:47
